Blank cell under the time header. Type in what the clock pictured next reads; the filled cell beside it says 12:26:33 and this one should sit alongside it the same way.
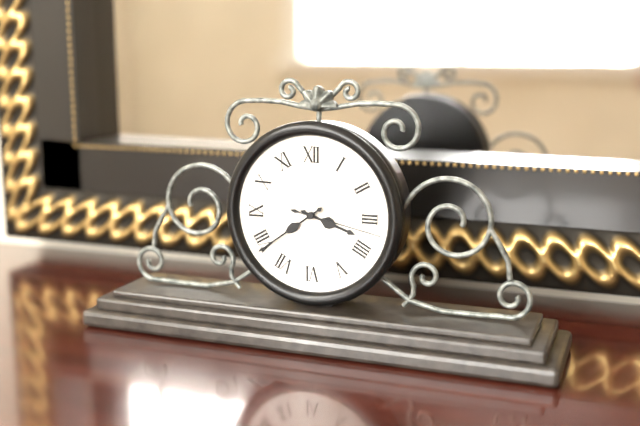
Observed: 3:39:17
